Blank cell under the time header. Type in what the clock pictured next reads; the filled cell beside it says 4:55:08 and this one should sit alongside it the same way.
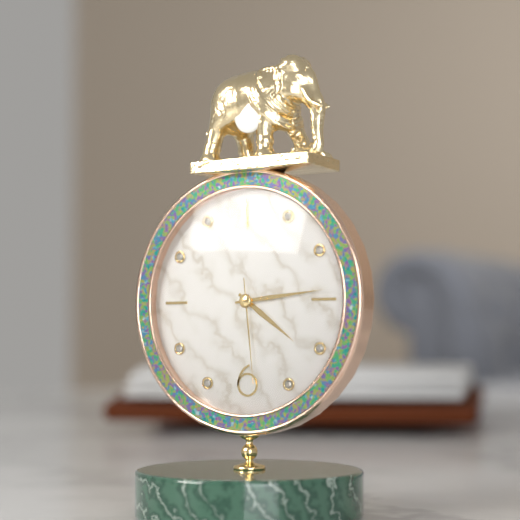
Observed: 4:14:29
